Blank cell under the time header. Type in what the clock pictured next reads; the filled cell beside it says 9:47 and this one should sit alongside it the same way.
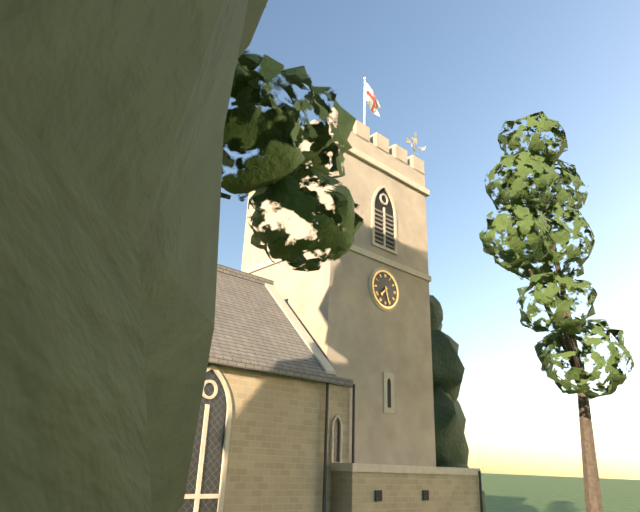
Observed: 7:27
